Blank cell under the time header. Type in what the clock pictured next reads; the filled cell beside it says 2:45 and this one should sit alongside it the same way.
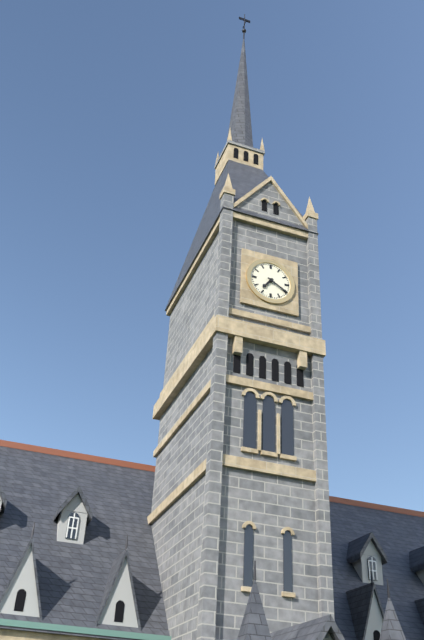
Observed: 7:20
